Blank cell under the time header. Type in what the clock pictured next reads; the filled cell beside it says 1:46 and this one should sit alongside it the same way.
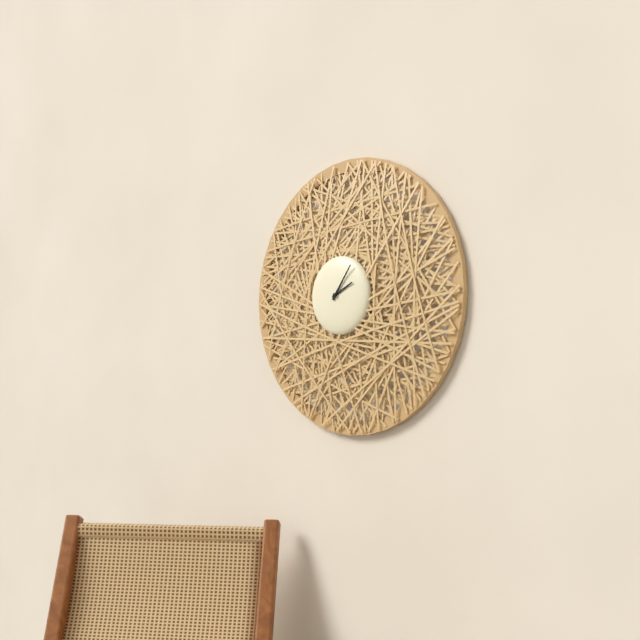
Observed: 2:06
